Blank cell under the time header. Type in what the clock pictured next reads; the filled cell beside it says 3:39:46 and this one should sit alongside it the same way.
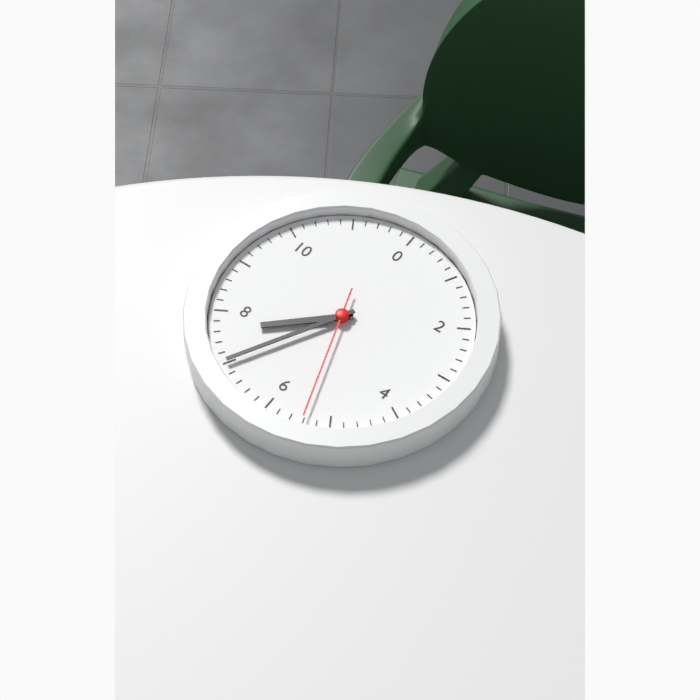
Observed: 7:35:27
